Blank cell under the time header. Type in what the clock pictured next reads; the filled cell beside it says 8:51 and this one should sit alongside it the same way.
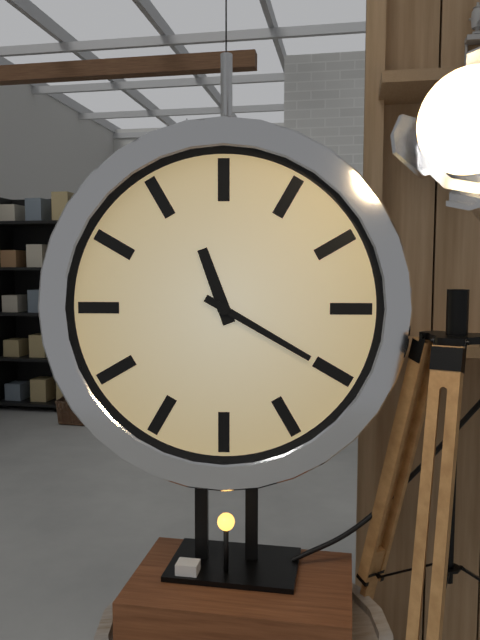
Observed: 11:20
